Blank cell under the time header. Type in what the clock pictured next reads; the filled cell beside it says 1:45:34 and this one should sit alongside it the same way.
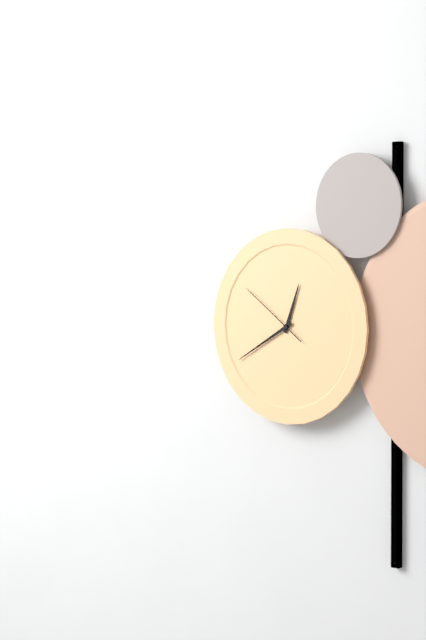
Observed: 12:40:51
